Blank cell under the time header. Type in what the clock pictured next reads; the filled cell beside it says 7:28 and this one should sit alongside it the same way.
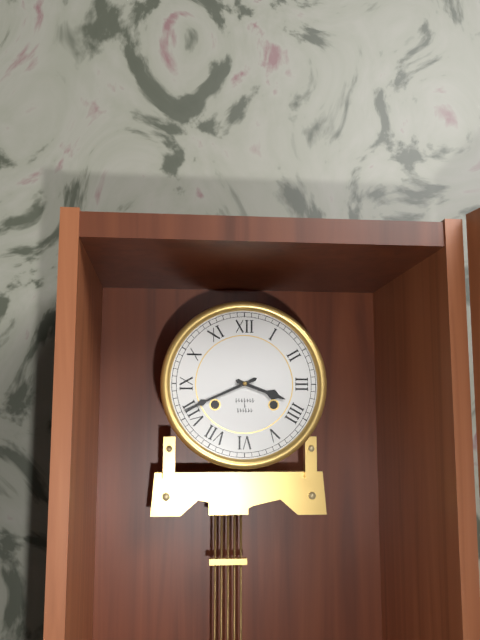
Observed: 3:41
